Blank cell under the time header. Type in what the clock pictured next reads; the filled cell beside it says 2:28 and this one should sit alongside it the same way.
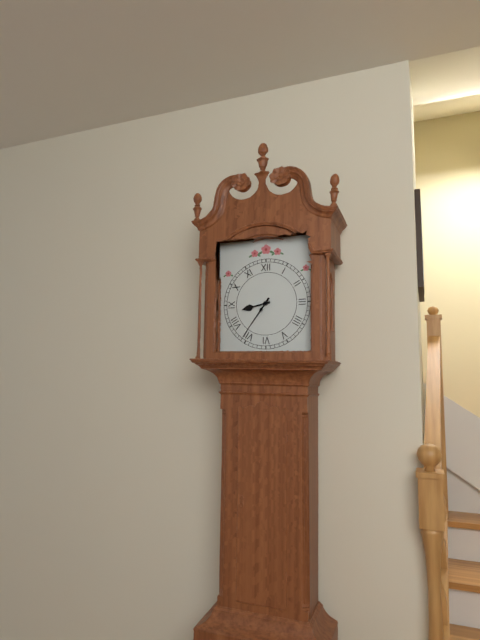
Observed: 8:36
